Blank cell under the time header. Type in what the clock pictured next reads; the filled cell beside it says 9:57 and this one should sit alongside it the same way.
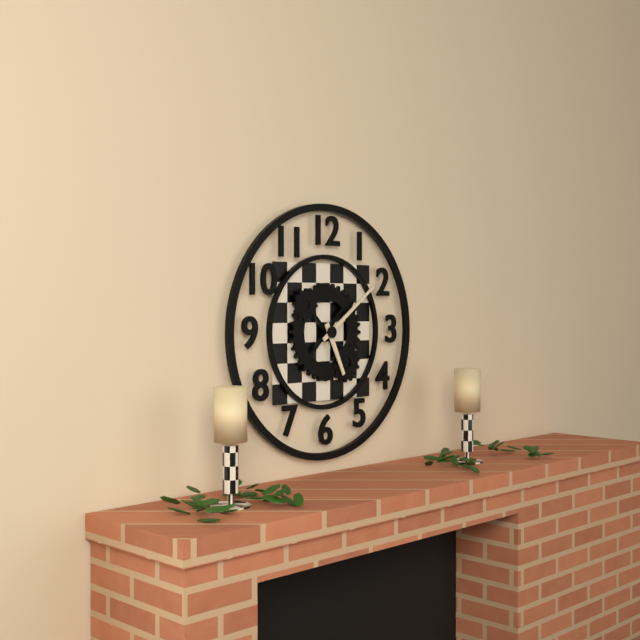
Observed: 5:09
